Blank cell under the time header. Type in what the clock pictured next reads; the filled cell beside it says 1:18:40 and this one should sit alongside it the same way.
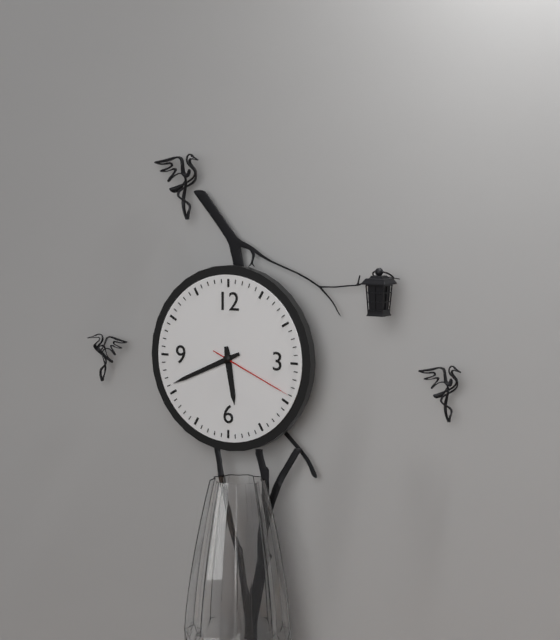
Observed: 5:41:19
